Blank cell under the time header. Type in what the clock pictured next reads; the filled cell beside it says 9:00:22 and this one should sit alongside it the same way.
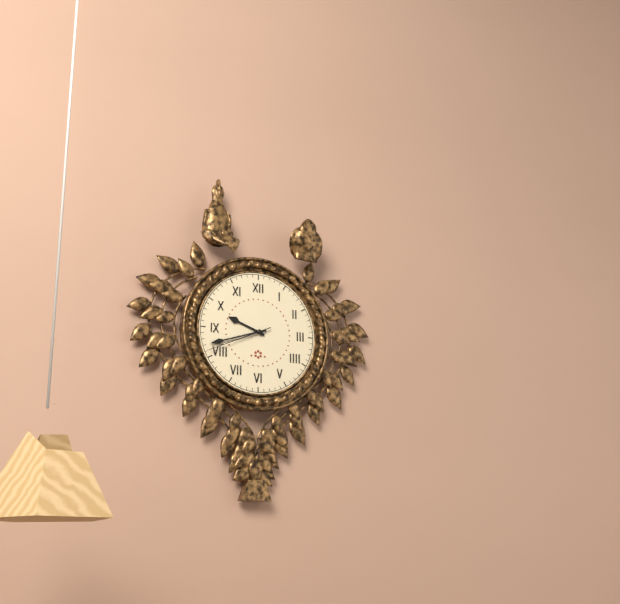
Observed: 9:42:41
